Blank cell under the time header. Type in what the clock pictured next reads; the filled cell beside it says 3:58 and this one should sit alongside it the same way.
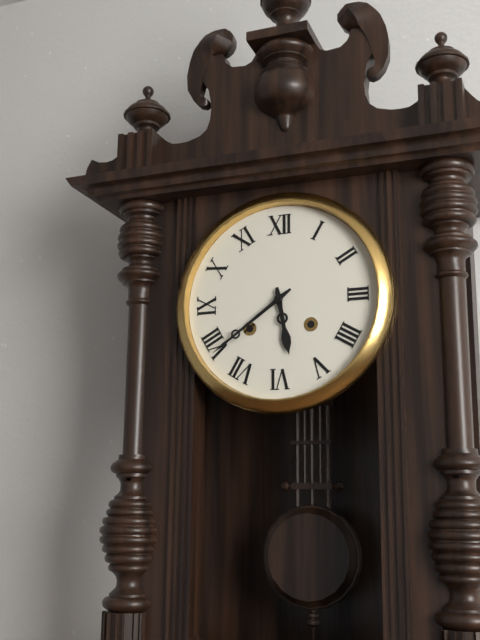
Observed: 5:39
